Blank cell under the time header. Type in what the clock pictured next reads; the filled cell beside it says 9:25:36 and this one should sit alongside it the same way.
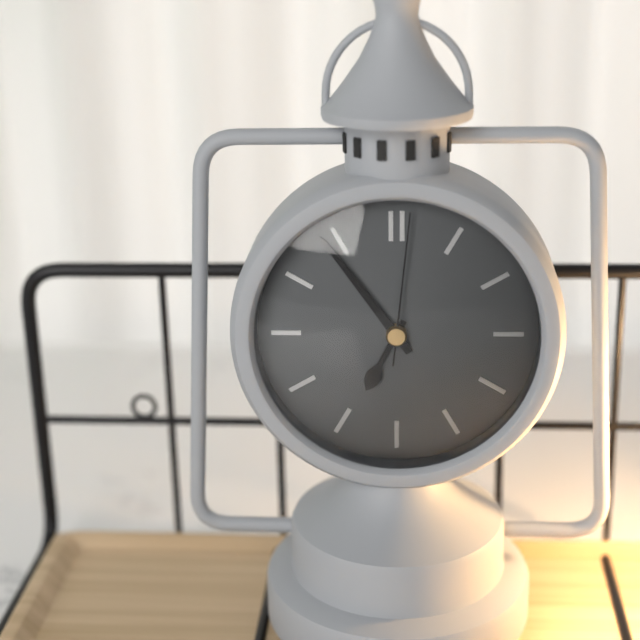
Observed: 6:54:01
